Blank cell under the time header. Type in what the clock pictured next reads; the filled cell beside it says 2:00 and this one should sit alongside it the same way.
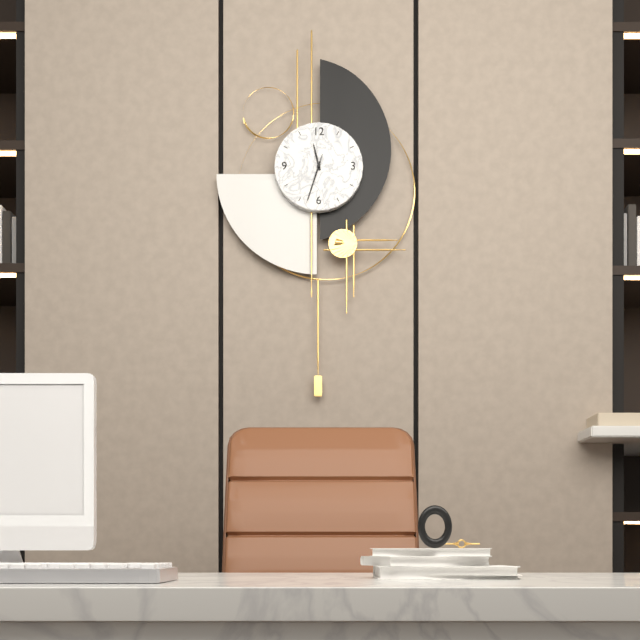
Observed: 11:33
